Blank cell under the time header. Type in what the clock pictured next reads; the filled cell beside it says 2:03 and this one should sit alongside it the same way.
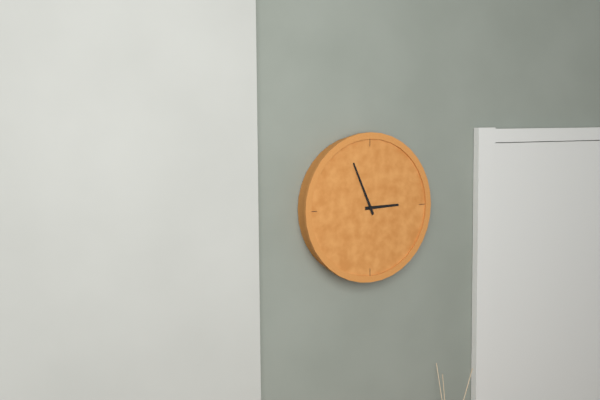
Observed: 2:56
